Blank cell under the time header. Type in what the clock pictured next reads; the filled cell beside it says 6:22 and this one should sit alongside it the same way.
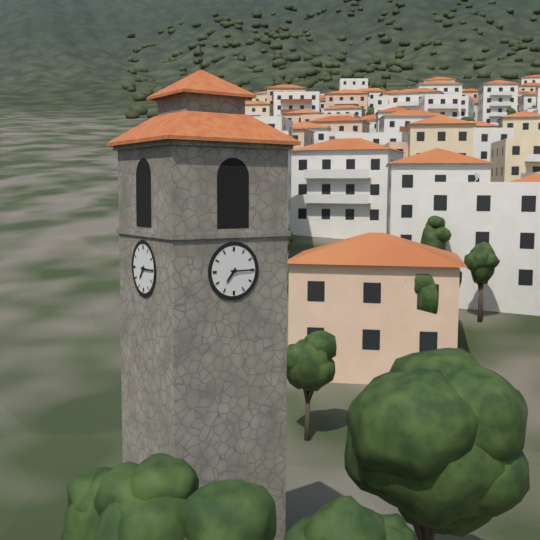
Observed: 7:15
